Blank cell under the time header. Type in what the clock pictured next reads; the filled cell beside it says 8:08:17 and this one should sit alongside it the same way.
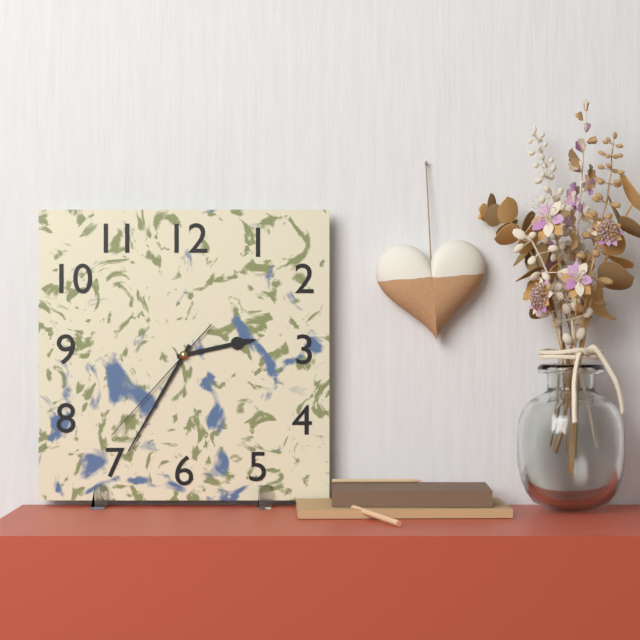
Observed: 2:35:37
